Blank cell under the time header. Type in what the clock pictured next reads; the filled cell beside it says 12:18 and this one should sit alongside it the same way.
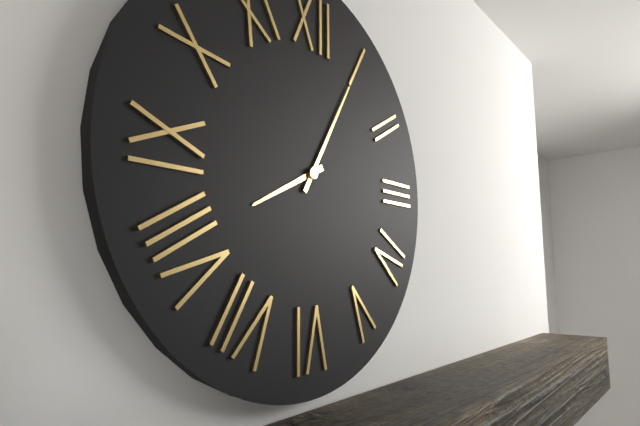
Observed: 8:05
